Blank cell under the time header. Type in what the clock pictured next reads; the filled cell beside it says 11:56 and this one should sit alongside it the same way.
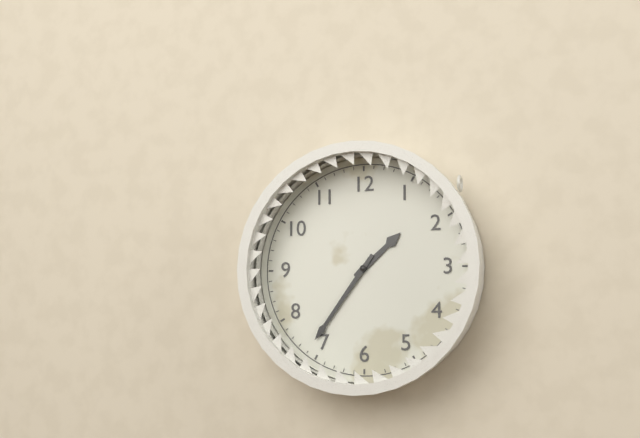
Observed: 1:36
